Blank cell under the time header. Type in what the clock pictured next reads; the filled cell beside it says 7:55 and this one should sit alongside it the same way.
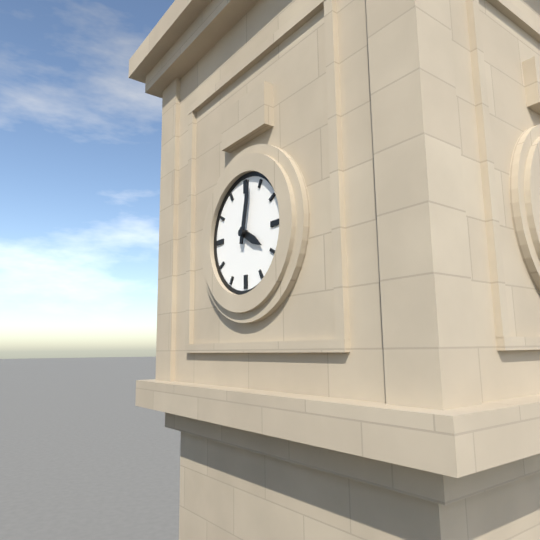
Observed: 4:02
